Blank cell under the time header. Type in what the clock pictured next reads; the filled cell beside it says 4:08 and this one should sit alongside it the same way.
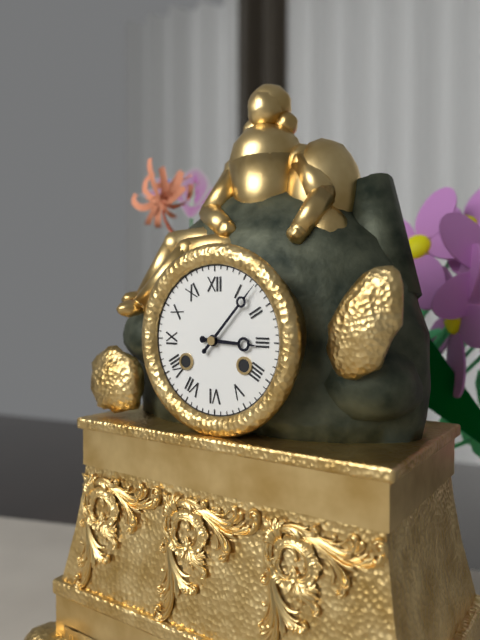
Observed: 3:07
